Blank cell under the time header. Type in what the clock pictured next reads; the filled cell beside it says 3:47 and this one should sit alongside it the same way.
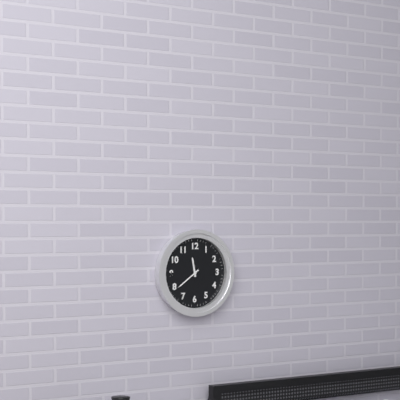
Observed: 11:39
